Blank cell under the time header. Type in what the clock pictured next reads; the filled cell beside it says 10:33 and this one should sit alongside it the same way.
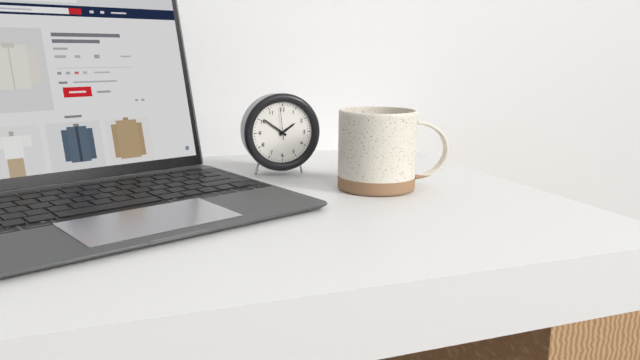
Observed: 1:51
